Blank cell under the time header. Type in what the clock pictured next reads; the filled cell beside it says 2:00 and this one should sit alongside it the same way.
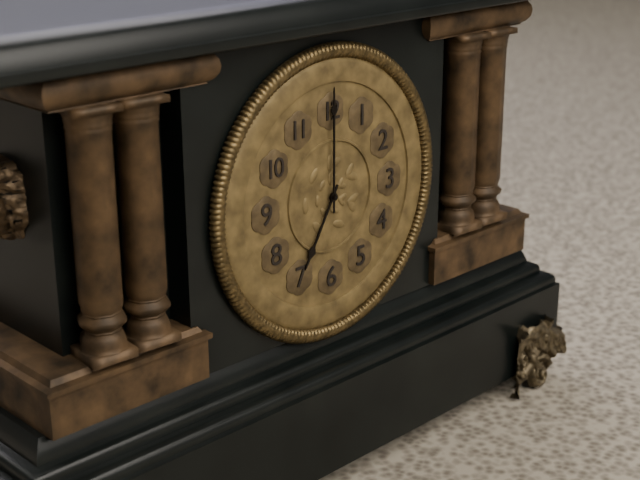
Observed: 7:00
